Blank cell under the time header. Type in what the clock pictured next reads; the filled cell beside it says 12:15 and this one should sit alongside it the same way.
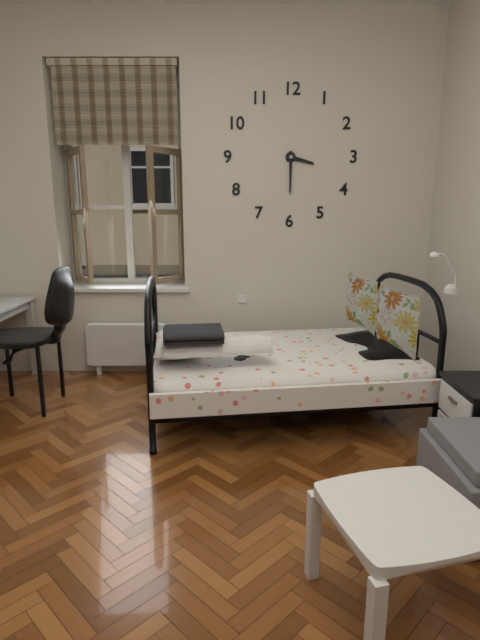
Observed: 3:30
